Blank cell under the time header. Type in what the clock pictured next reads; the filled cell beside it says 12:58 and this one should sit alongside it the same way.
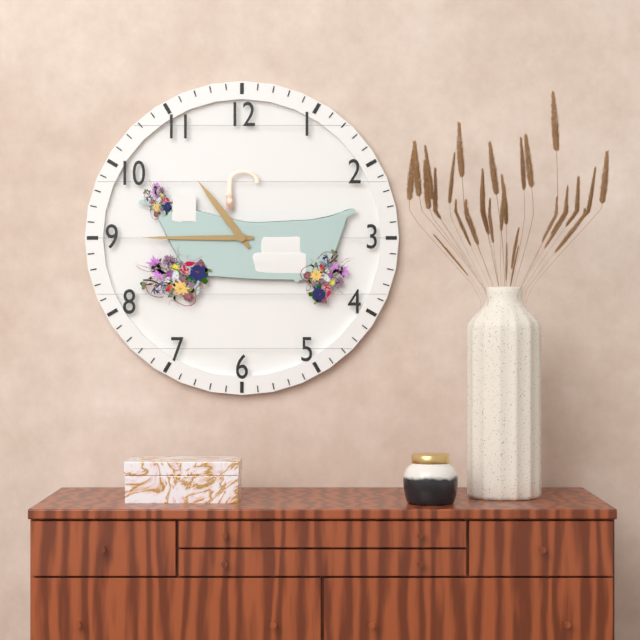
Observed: 10:45
